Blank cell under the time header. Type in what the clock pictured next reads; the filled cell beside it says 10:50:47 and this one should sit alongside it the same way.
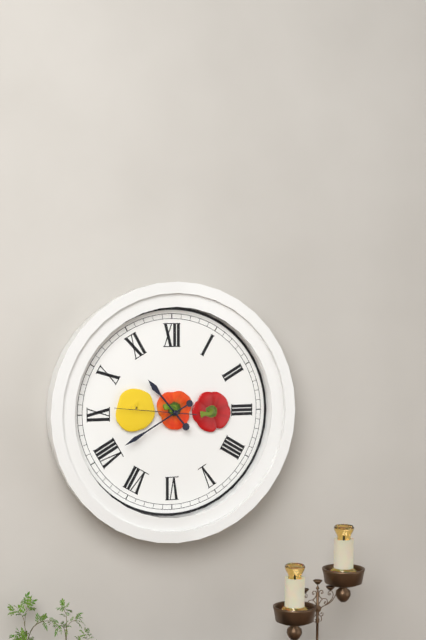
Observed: 10:40:46
